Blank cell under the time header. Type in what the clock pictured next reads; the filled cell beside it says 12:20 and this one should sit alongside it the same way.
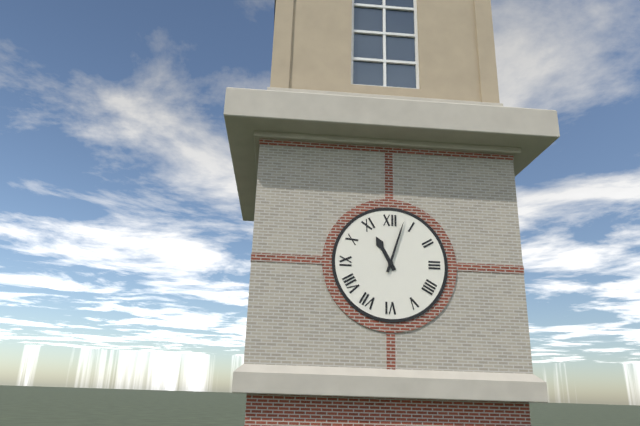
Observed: 11:03
